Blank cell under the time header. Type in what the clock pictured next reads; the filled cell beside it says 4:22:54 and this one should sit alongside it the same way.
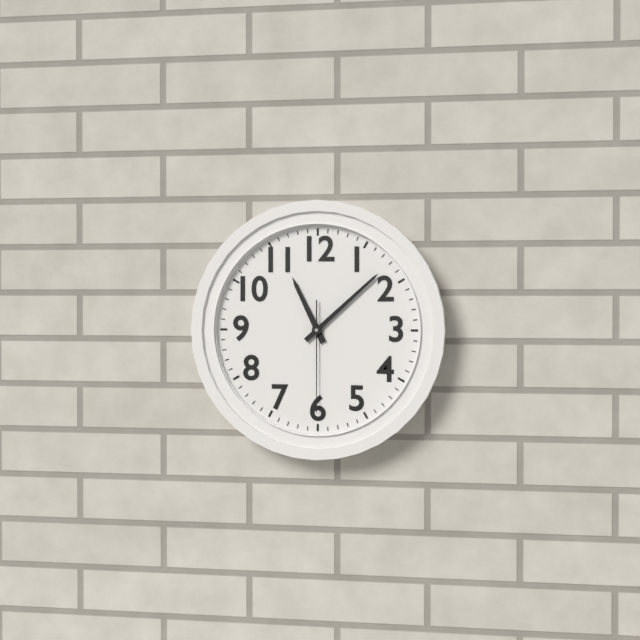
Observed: 11:08:30
